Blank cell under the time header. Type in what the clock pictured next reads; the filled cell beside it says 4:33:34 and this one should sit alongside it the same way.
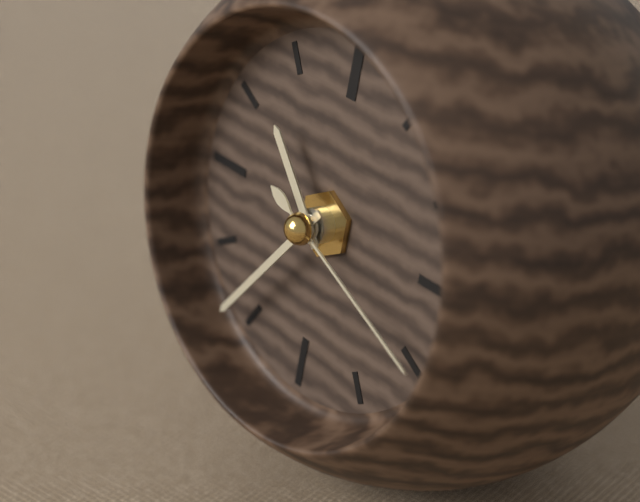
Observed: 10:36:19
